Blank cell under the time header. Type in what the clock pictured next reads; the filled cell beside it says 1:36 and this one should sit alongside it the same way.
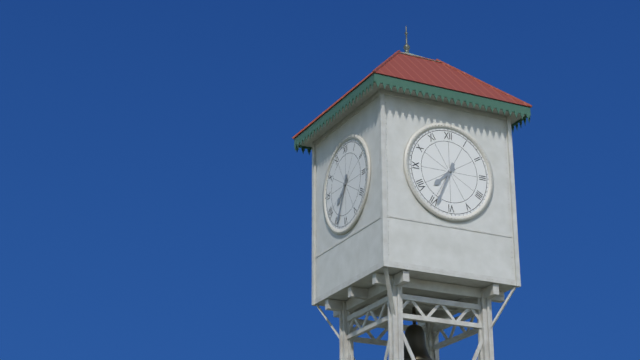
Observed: 7:34
